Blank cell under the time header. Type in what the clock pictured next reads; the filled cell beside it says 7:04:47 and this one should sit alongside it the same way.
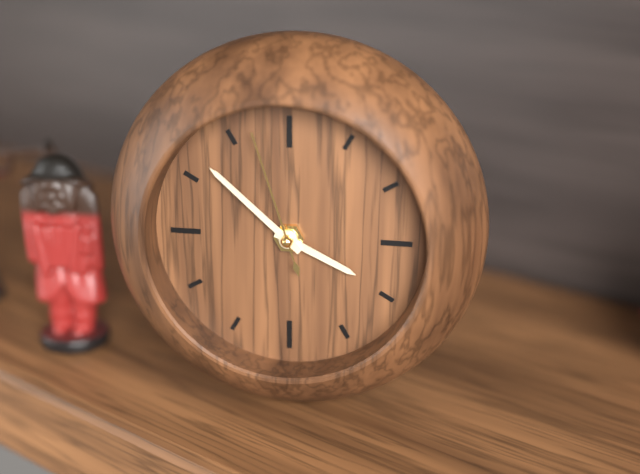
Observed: 3:52:57
